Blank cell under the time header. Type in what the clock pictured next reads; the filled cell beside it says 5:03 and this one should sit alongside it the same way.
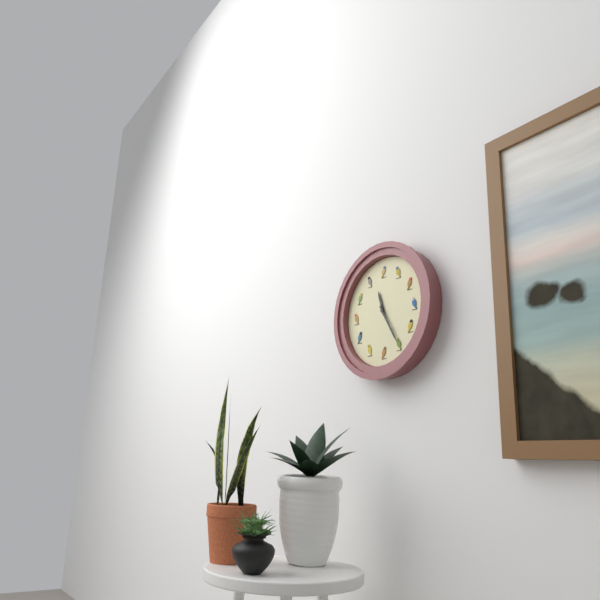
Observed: 11:25
